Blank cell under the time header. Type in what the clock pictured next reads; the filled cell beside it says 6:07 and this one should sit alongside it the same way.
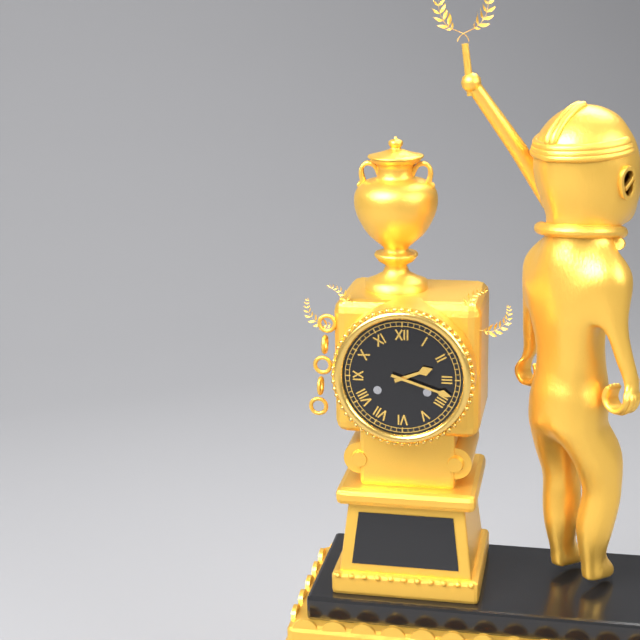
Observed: 2:18
